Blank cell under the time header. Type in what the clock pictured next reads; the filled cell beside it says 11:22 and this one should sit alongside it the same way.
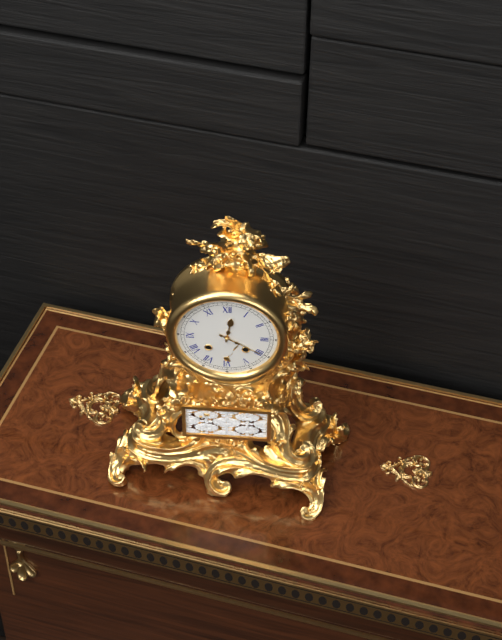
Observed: 12:20
